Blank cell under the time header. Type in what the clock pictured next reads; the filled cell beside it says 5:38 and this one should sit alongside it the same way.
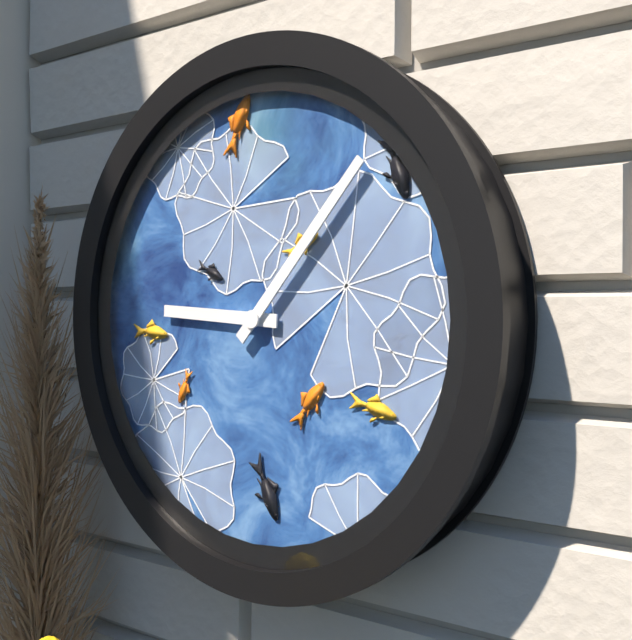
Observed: 9:07
